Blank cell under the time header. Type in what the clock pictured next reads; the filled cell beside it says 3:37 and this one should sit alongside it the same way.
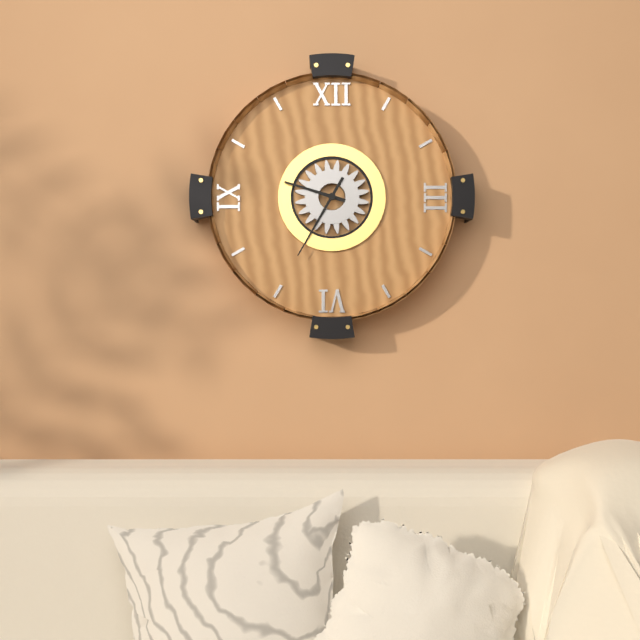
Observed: 9:35
